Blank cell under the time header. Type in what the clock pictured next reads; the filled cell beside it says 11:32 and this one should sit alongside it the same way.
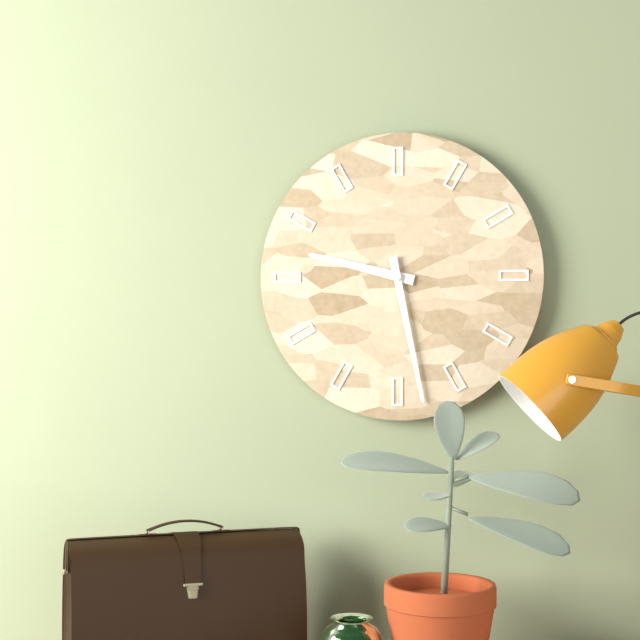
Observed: 9:28
